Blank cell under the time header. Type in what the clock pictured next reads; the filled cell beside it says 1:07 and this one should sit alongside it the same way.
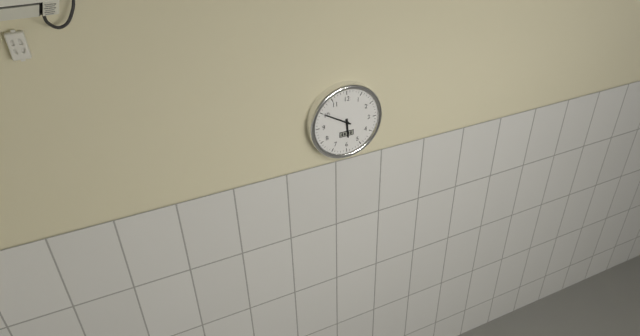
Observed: 5:50
